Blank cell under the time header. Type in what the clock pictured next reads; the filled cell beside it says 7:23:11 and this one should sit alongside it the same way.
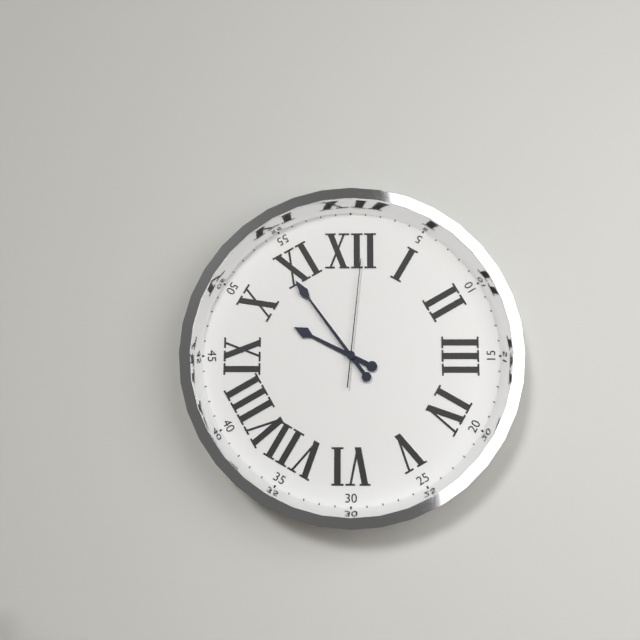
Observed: 9:54:01
